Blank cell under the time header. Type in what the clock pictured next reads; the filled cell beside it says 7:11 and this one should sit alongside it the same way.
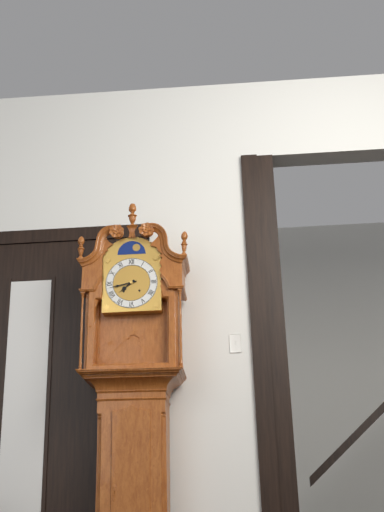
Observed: 7:43
